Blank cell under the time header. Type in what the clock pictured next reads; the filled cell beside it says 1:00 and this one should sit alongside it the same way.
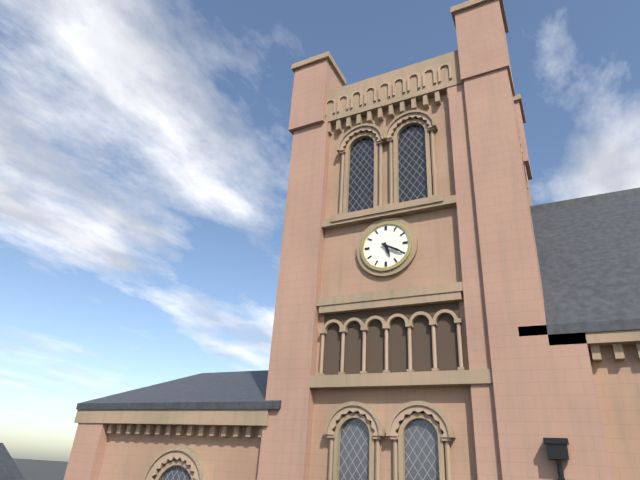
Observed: 5:20
